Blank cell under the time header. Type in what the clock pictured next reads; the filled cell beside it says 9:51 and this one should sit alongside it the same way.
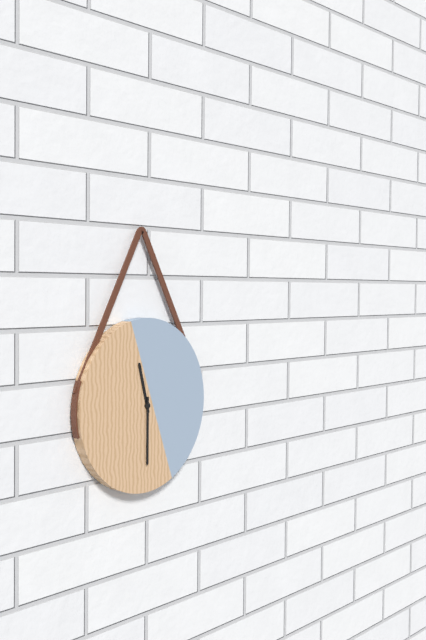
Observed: 11:30
